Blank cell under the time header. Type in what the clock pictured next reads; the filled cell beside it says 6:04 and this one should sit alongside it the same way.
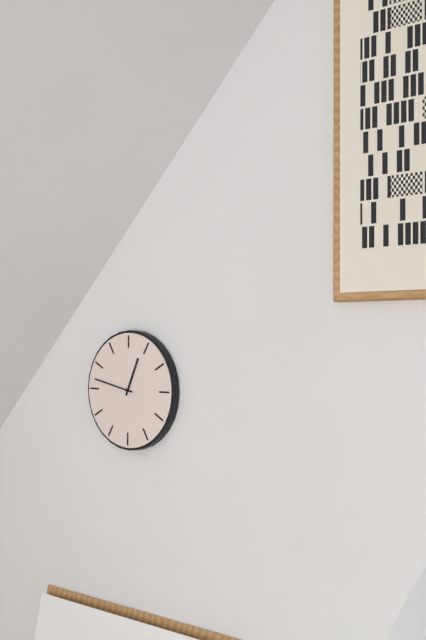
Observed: 12:47
